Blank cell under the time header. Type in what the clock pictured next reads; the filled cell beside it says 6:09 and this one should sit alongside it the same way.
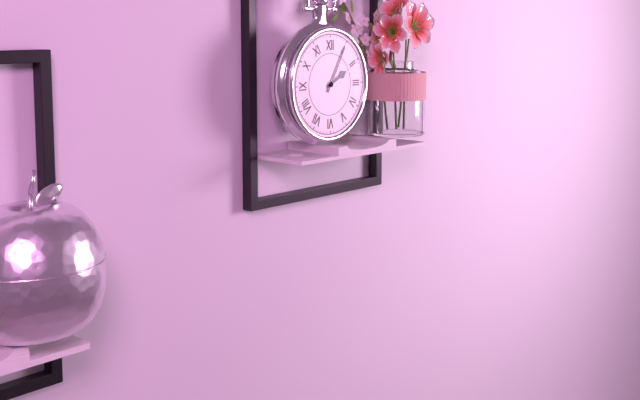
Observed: 2:05
